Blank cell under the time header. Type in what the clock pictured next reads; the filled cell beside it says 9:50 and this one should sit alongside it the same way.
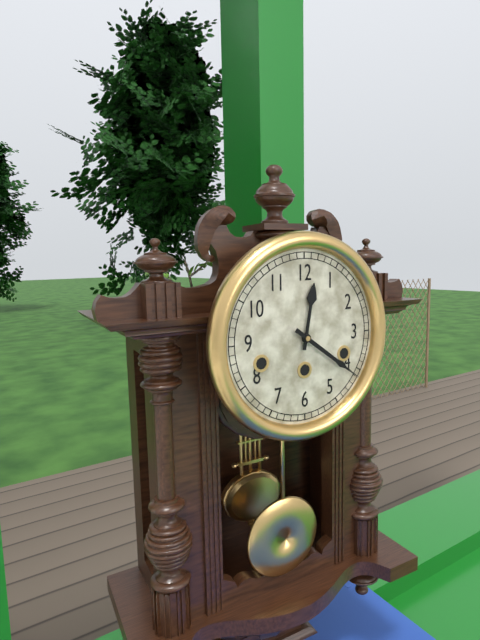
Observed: 12:21
